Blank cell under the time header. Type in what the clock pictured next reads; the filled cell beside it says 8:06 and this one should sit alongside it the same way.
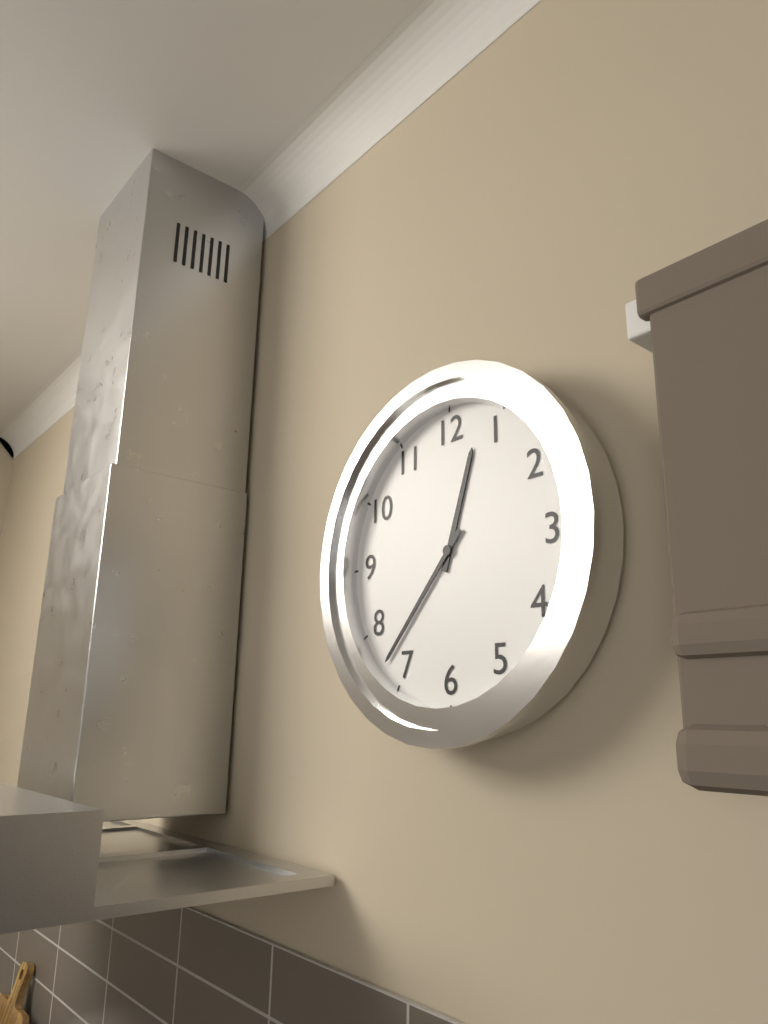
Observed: 12:37
